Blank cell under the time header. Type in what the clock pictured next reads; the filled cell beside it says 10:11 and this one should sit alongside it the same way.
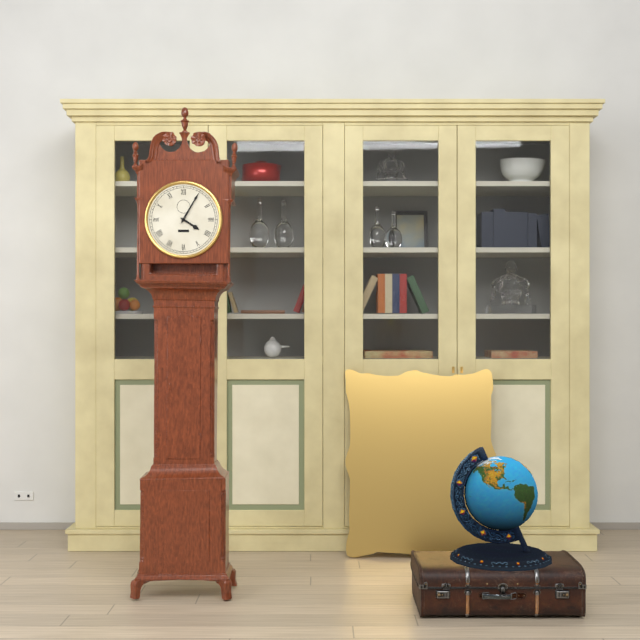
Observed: 4:05
